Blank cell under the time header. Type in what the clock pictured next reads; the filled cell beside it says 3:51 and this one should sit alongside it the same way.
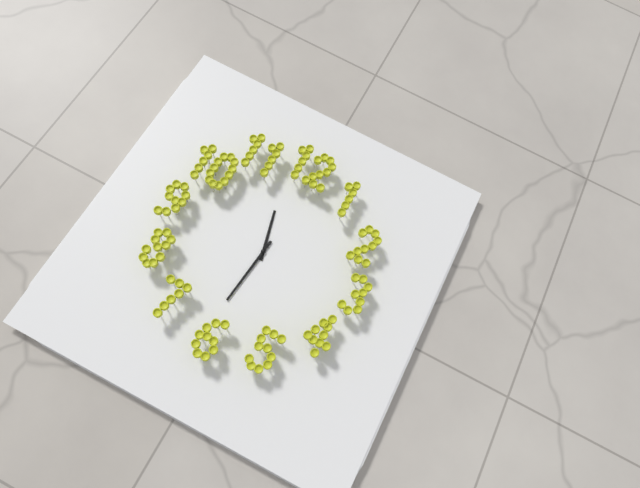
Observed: 11:31
